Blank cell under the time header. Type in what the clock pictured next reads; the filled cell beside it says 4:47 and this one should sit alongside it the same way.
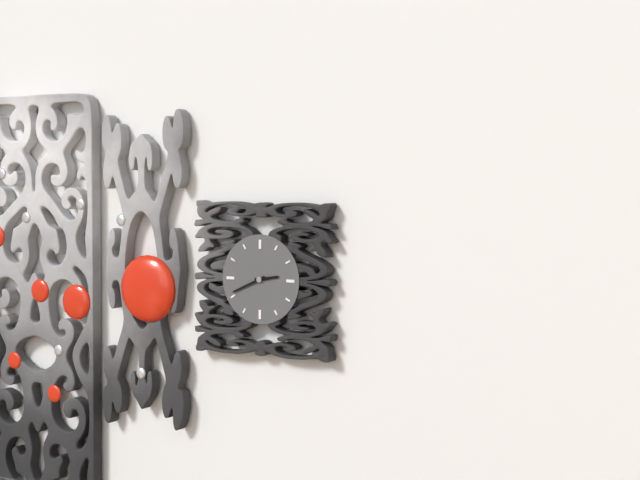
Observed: 2:41
